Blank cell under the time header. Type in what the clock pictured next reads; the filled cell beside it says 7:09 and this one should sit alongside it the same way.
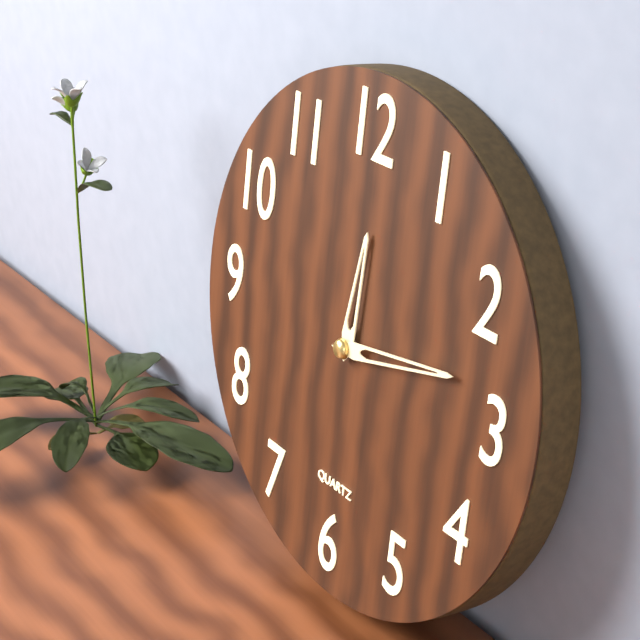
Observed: 12:13
